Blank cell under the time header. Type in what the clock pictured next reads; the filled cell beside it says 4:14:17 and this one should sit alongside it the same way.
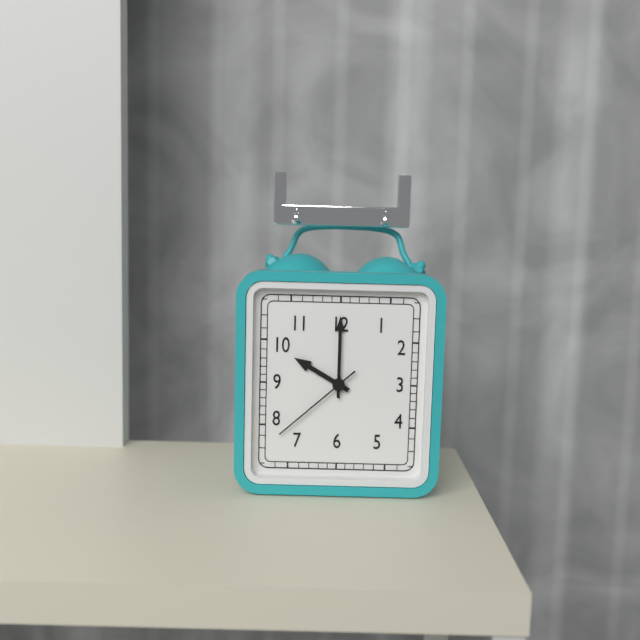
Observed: 10:00:38
